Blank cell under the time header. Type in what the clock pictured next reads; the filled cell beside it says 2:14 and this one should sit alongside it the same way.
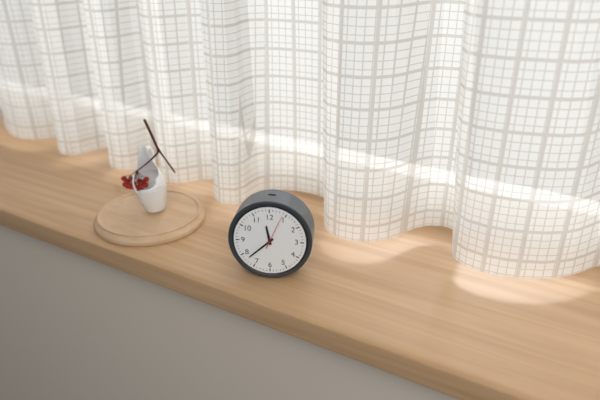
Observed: 11:38
